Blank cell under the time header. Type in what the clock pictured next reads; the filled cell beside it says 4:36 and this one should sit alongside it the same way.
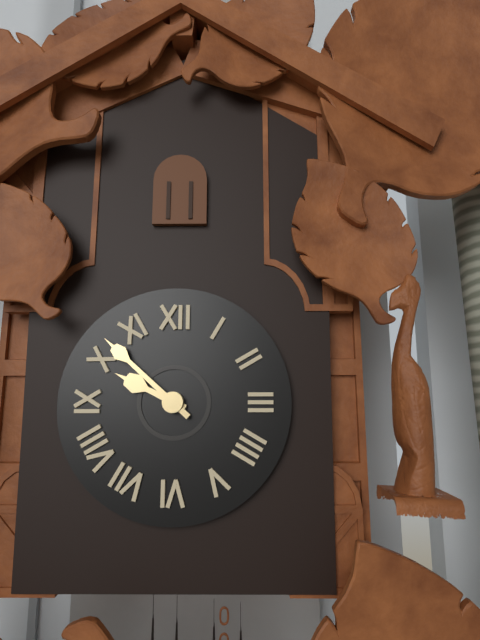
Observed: 9:52
